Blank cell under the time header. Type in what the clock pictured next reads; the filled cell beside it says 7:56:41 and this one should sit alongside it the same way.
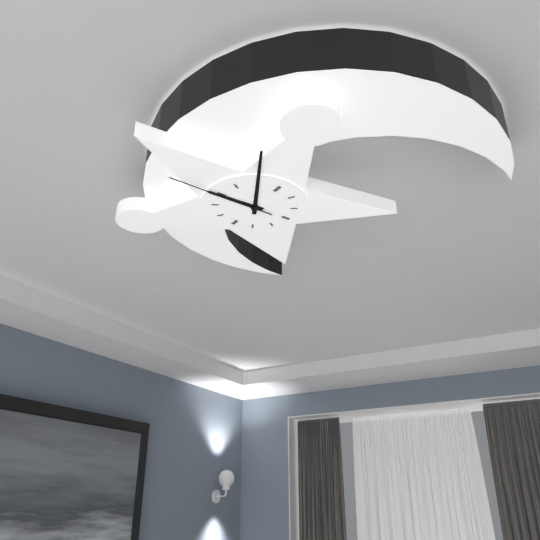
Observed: 8:55:45
